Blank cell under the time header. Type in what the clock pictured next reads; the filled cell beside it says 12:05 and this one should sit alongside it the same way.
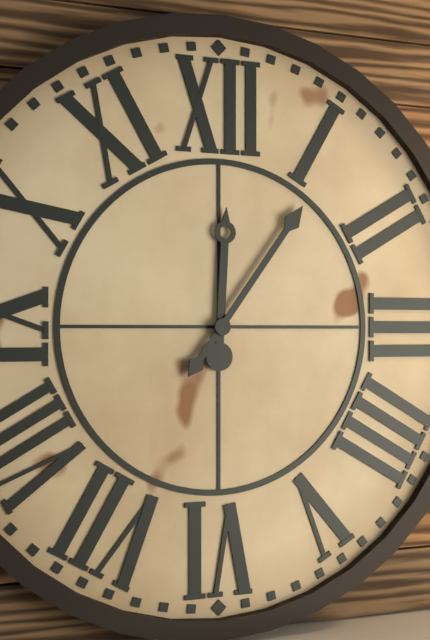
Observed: 12:06
